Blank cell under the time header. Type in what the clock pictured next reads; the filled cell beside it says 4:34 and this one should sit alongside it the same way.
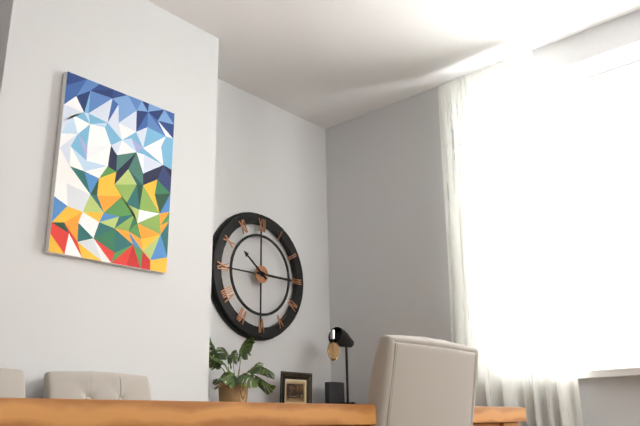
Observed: 10:15
